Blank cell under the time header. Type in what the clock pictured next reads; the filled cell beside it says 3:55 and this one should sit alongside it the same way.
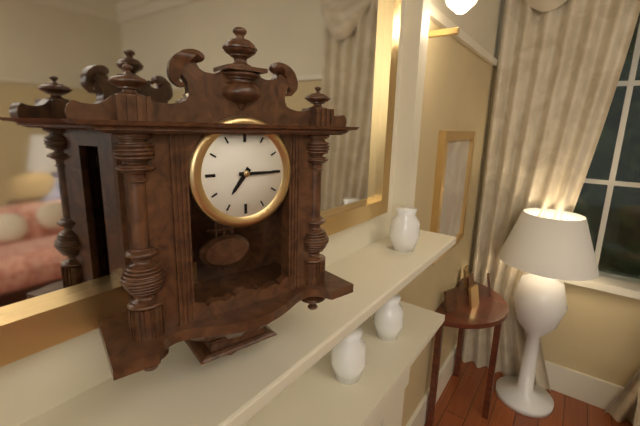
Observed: 7:15
